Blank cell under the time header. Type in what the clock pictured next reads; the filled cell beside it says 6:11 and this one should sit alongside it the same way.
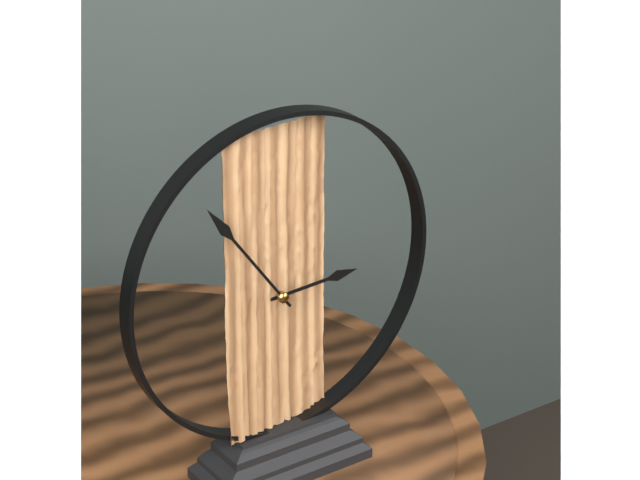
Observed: 2:54
